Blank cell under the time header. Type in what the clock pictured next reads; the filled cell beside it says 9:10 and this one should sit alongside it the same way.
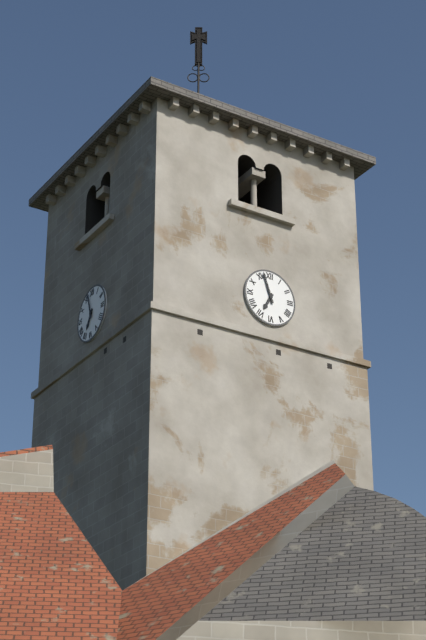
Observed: 6:57
